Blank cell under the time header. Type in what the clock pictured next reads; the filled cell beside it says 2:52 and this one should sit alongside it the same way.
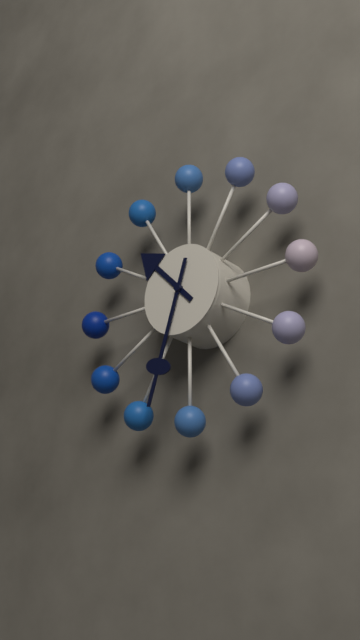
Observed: 10:33
